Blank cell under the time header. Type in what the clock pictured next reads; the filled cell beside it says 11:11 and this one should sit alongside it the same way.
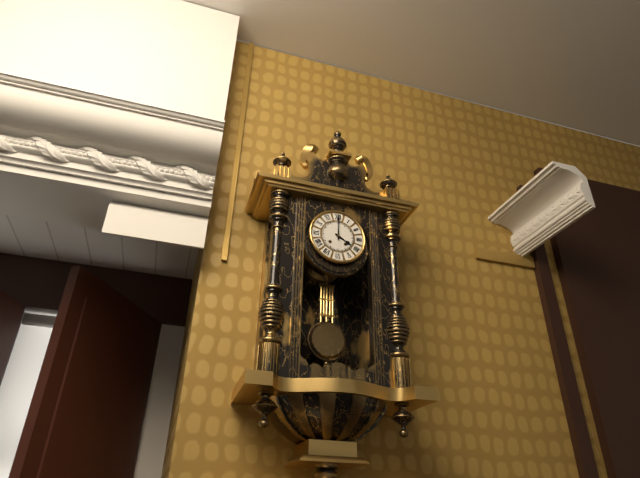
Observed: 4:00
